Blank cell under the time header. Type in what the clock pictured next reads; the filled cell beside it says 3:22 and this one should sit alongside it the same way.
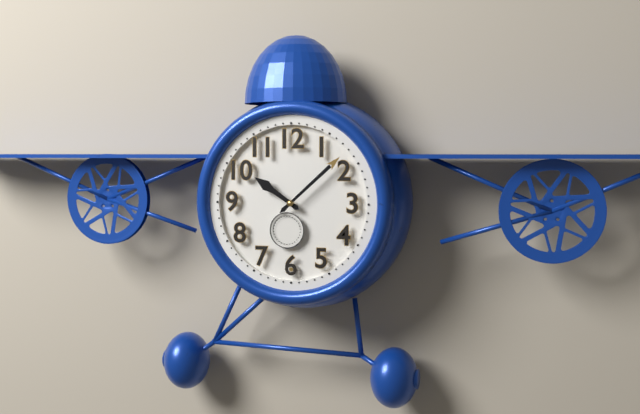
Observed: 10:08
